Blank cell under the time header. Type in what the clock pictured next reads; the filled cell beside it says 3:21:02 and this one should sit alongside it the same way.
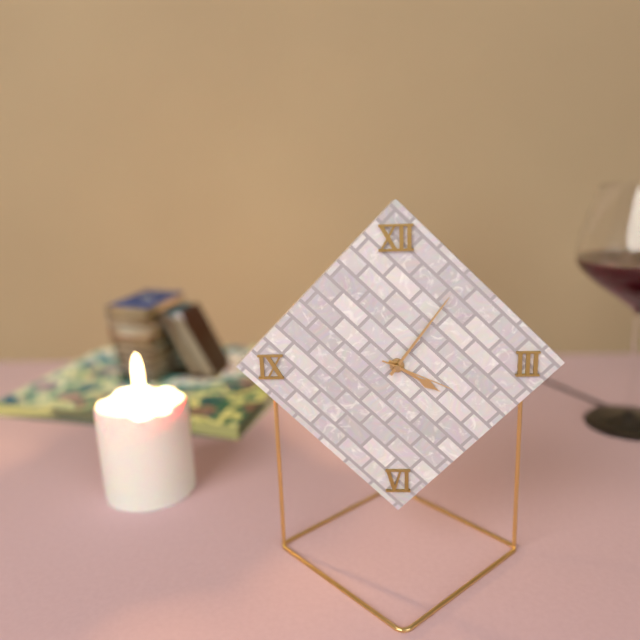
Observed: 4:06:19
